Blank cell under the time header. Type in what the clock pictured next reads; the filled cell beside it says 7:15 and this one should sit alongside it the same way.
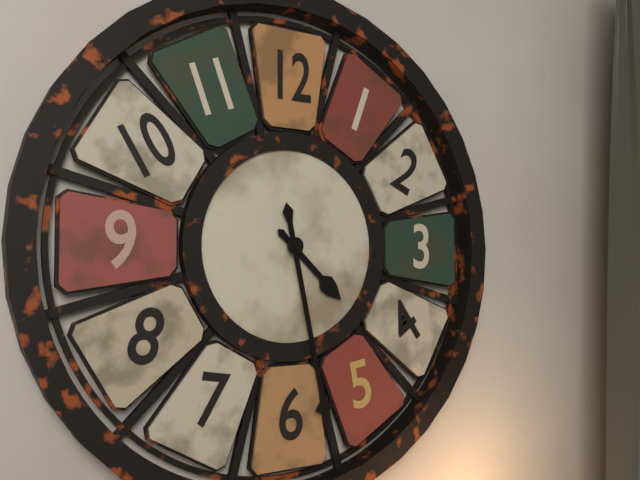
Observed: 4:28
